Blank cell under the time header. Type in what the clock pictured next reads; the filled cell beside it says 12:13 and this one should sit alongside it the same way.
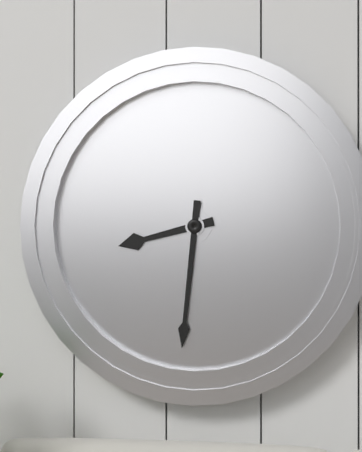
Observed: 8:31
